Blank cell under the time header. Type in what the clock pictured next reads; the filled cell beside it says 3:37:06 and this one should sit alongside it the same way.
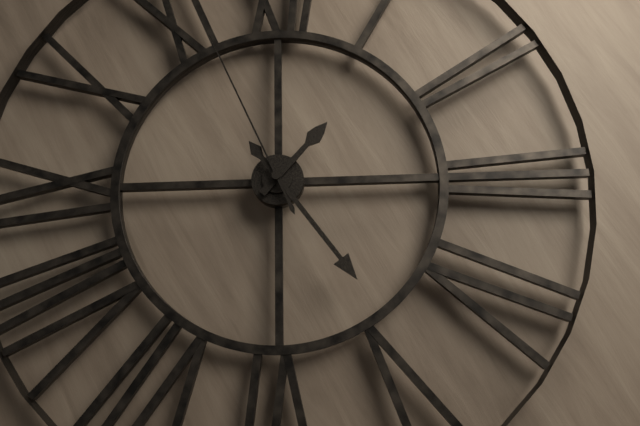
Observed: 1:24:56
